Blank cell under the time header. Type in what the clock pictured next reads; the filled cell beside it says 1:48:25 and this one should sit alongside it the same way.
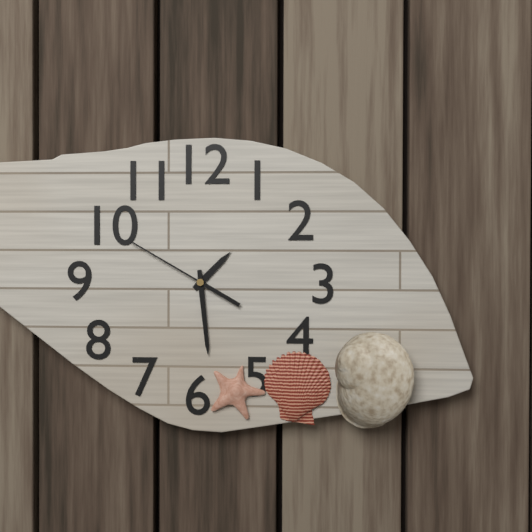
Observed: 1:29:50
